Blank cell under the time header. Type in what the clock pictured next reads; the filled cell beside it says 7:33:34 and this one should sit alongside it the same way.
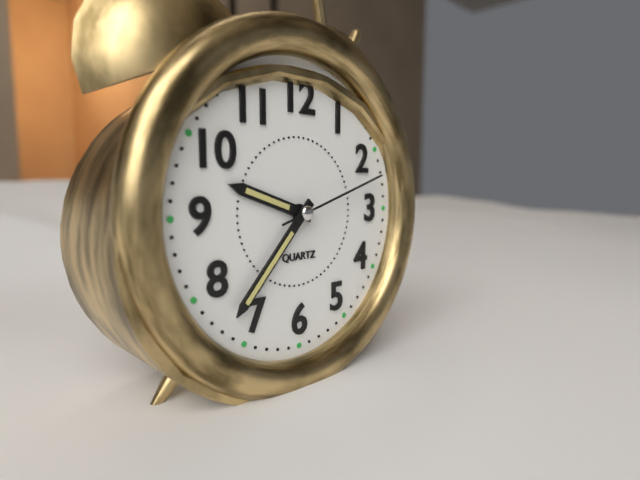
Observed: 9:37:12
